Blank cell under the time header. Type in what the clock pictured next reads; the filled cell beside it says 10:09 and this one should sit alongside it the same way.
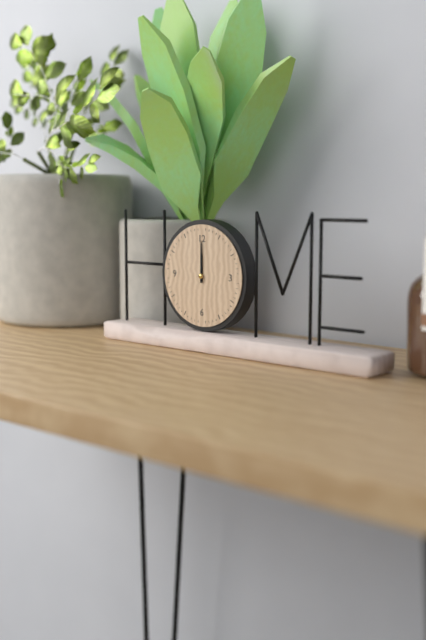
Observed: 12:00
